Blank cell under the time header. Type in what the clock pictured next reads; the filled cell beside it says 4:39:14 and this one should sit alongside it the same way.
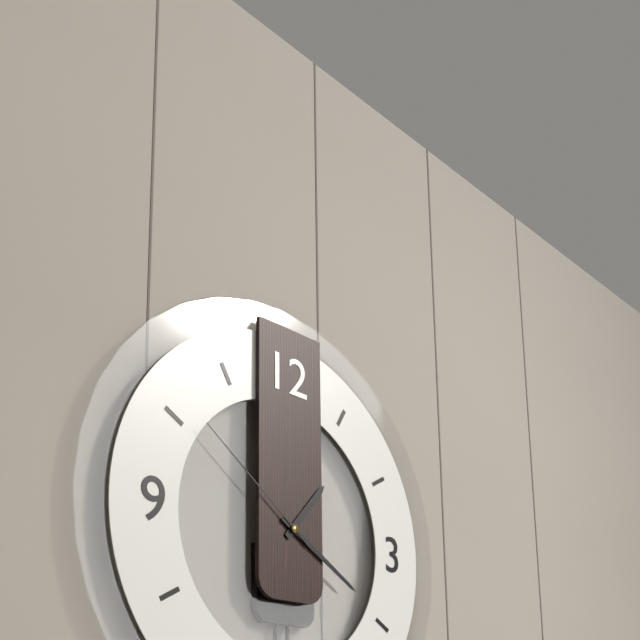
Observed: 1:20:51
